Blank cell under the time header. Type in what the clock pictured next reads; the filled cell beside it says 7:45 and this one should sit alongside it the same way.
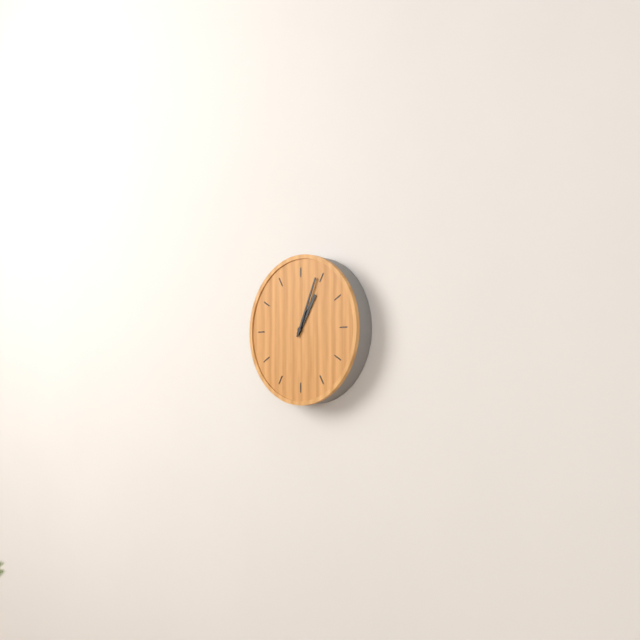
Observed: 1:04
